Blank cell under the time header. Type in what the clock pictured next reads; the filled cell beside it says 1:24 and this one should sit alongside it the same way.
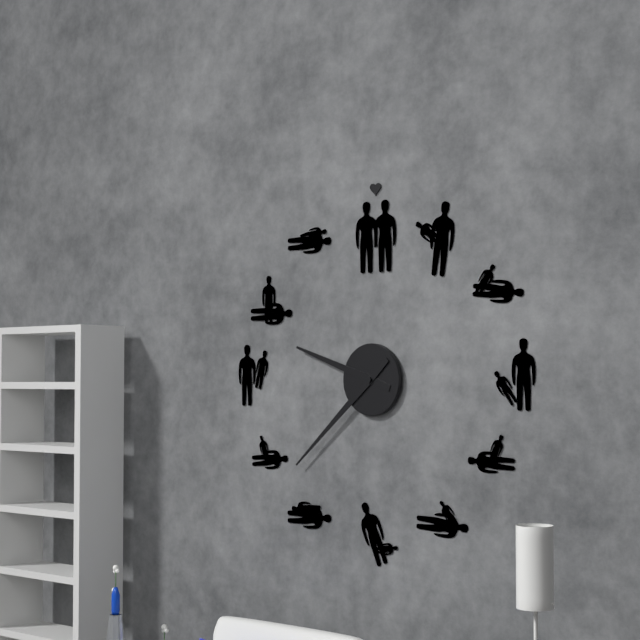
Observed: 9:38
